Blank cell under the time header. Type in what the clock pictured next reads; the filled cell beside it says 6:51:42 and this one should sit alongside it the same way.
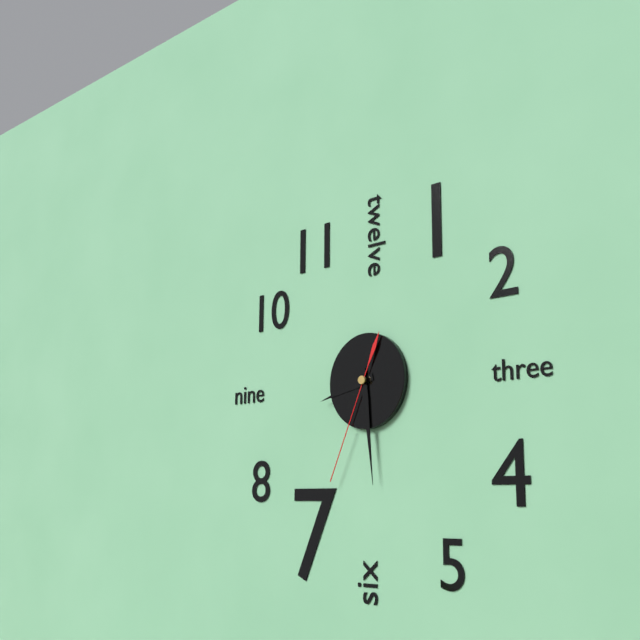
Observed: 8:29:34
